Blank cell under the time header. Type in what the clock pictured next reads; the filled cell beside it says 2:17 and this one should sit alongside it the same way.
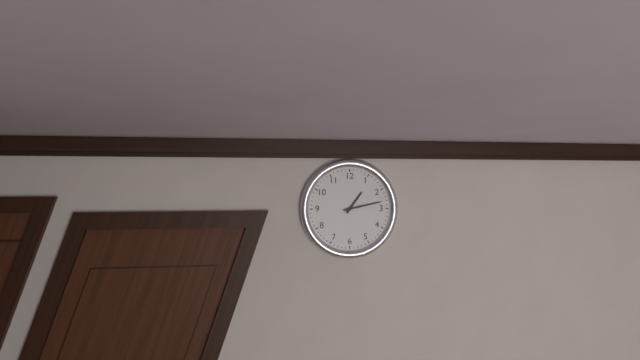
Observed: 1:13
